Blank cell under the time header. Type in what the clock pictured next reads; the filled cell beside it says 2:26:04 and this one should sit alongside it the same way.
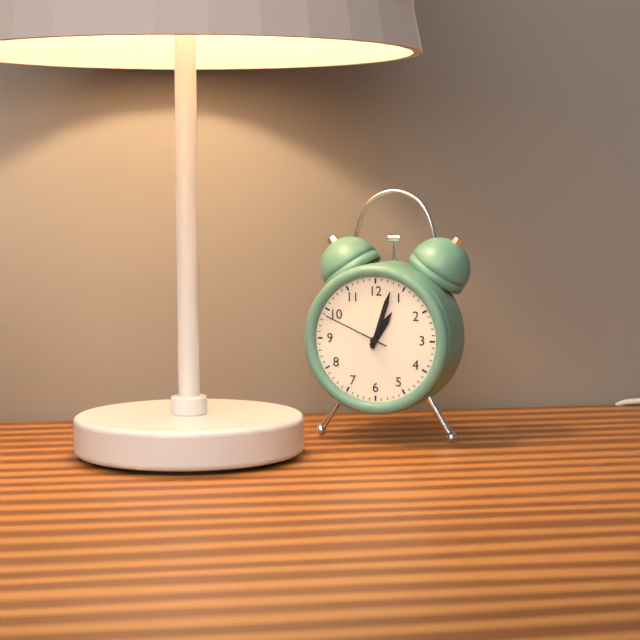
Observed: 1:03:49
